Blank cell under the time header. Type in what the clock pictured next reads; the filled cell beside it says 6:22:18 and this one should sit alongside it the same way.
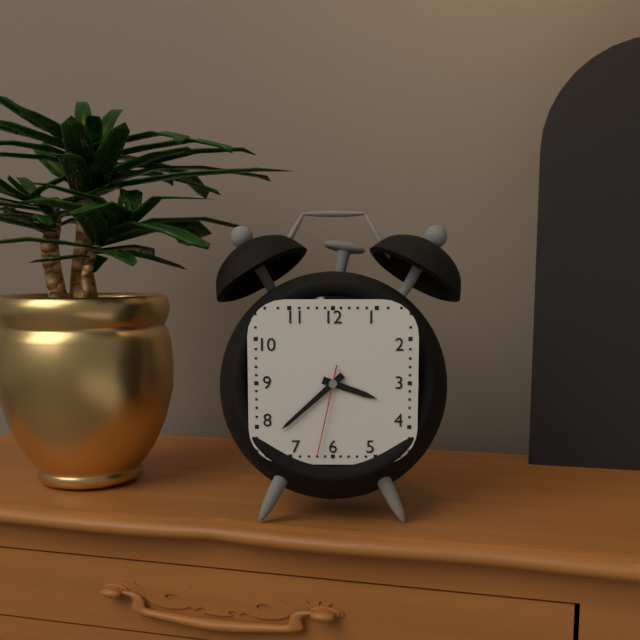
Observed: 3:38:32
